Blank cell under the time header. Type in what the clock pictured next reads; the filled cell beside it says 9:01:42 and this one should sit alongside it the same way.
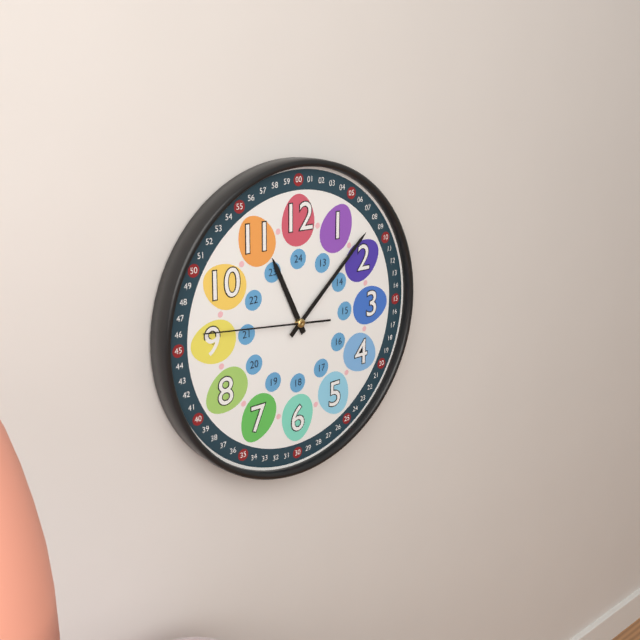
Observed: 11:08:46
